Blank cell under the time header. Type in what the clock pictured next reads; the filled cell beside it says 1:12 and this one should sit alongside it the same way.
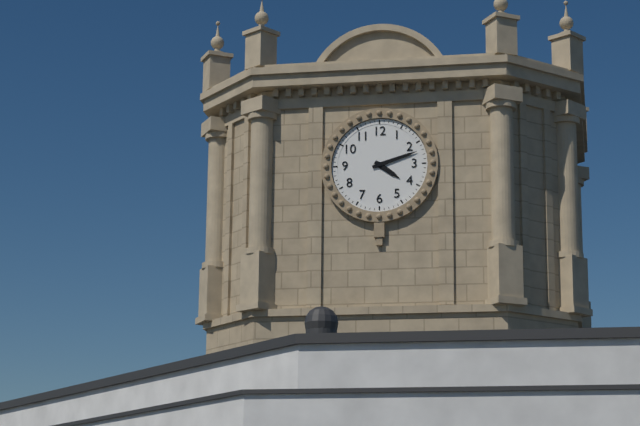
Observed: 4:12
